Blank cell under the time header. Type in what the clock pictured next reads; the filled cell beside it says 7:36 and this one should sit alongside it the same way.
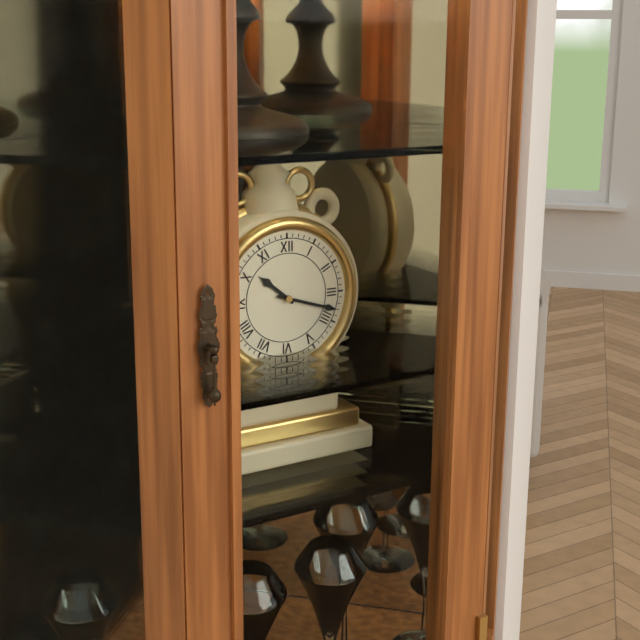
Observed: 10:18
